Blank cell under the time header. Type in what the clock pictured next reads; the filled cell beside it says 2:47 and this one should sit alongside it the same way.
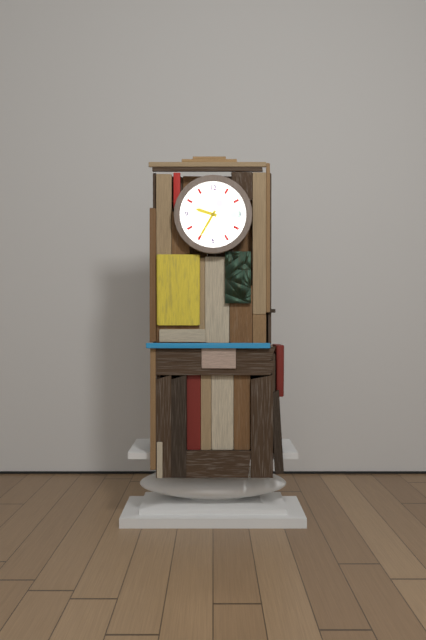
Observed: 9:35
